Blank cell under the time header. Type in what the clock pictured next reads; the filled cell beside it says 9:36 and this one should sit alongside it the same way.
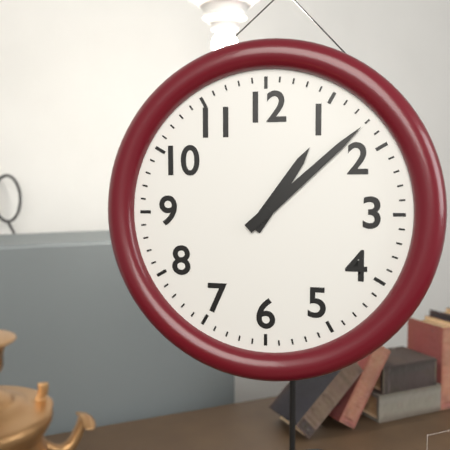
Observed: 1:08
